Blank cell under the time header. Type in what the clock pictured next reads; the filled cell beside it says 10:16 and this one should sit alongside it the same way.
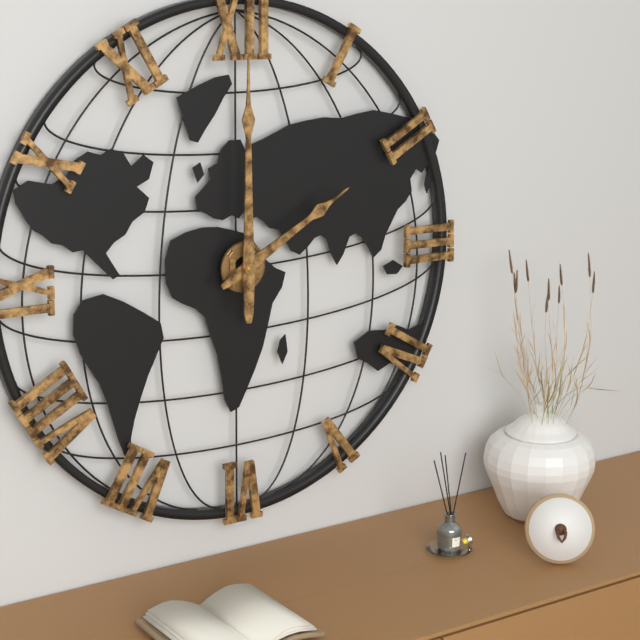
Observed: 2:00
